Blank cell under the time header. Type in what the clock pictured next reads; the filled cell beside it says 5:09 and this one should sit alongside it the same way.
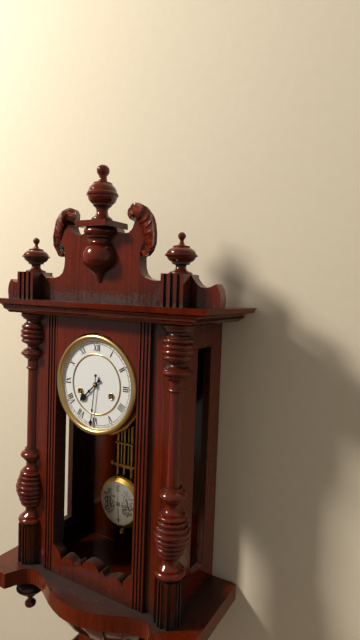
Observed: 7:31
